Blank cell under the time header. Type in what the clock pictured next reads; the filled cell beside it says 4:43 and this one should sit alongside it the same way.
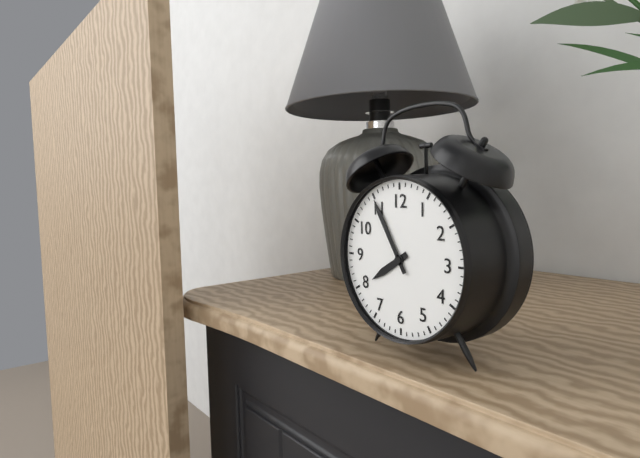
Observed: 7:55
